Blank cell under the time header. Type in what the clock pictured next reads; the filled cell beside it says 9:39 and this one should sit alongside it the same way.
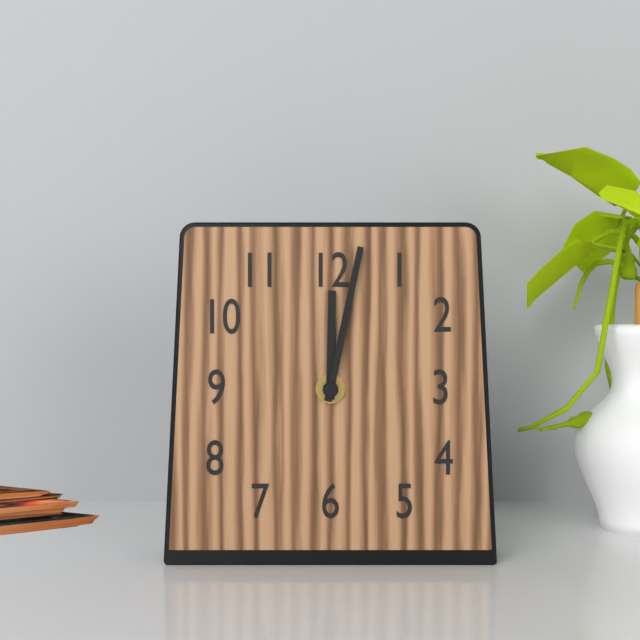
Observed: 12:02
